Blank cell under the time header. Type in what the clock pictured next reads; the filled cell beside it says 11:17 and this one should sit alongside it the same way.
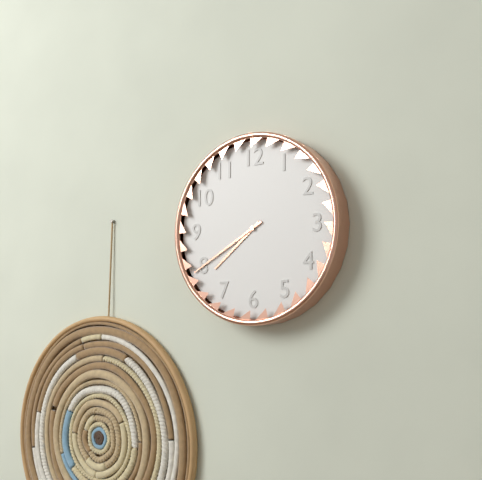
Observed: 7:40
